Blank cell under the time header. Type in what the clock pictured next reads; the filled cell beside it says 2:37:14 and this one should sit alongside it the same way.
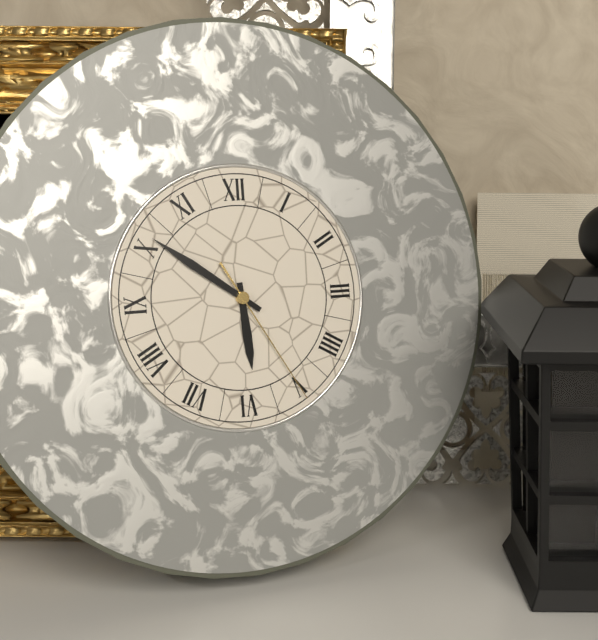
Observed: 5:51:25
